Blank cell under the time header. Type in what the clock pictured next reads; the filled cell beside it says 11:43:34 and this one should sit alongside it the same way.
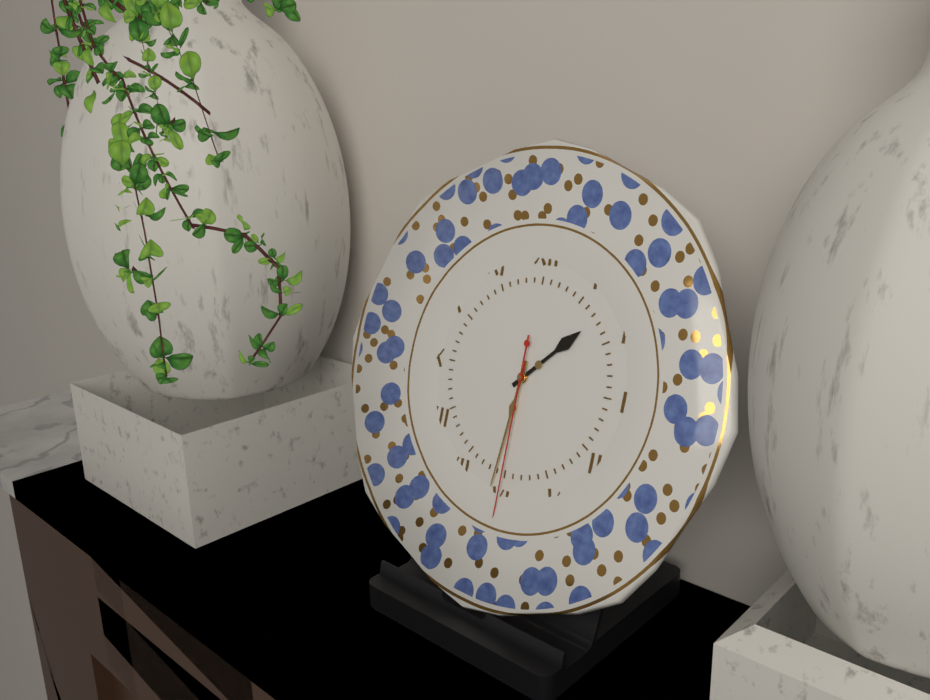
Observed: 1:31:30
